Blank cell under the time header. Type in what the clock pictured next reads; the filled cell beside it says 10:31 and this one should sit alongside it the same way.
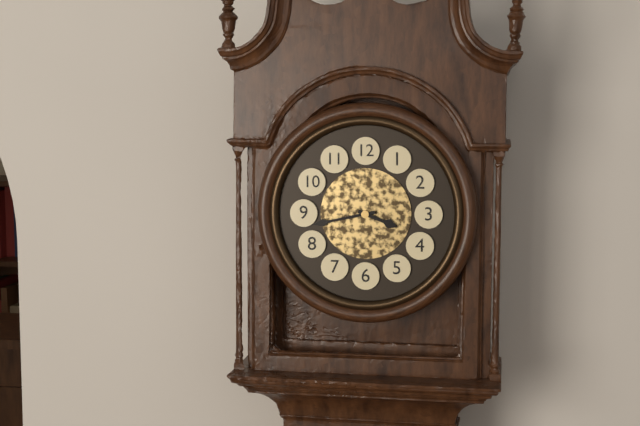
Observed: 3:43
